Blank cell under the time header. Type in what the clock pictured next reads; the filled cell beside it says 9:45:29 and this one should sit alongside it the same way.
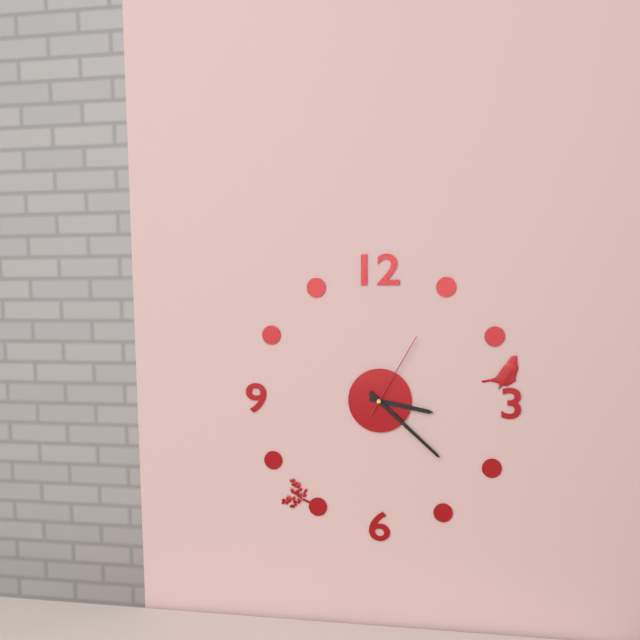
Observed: 3:22:05
